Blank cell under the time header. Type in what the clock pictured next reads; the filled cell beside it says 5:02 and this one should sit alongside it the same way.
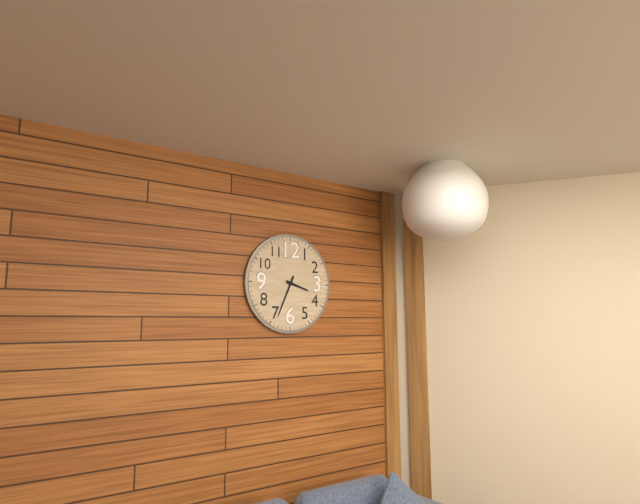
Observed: 3:34
